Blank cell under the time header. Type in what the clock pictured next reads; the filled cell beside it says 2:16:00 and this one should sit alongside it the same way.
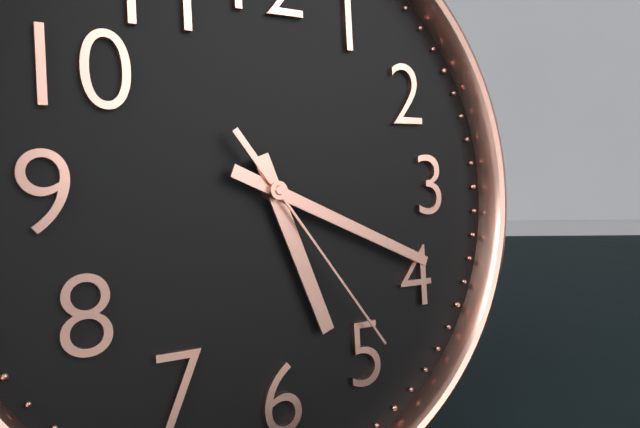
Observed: 5:19:24
